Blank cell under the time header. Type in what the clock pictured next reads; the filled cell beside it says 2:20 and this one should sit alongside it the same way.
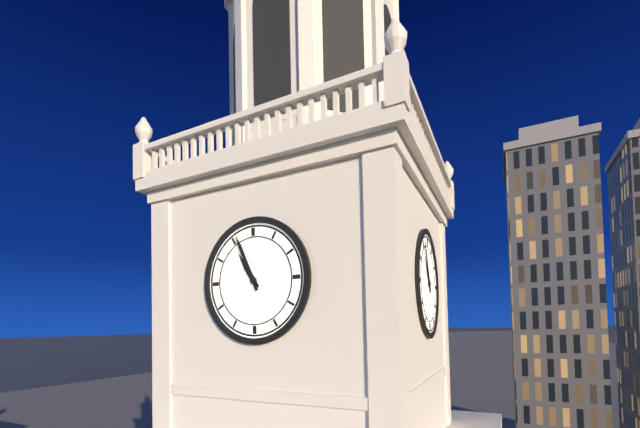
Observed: 10:56
